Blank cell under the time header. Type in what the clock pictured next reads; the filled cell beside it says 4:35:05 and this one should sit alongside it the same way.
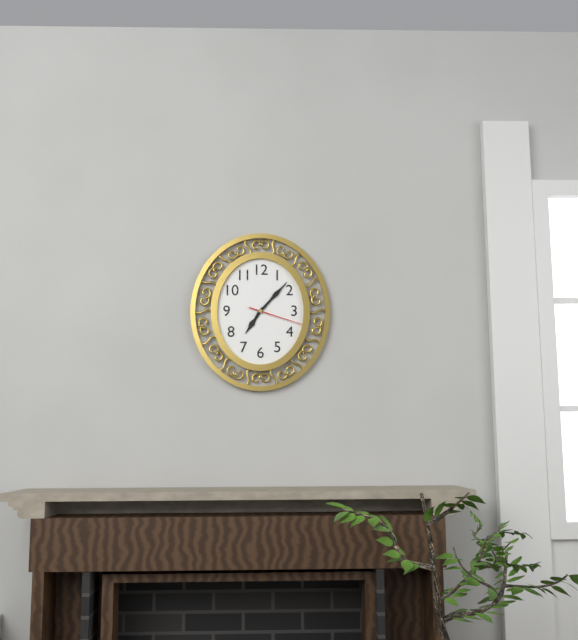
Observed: 7:07:18
